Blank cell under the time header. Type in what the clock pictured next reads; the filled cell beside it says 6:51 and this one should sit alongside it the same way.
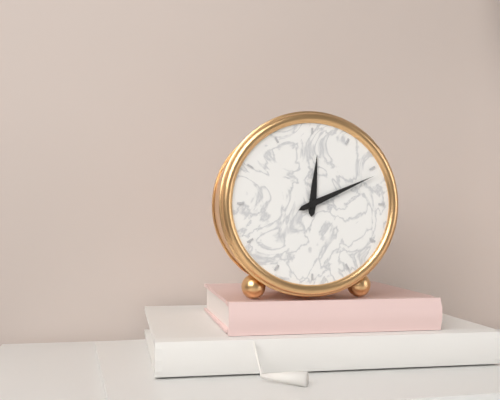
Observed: 12:11
